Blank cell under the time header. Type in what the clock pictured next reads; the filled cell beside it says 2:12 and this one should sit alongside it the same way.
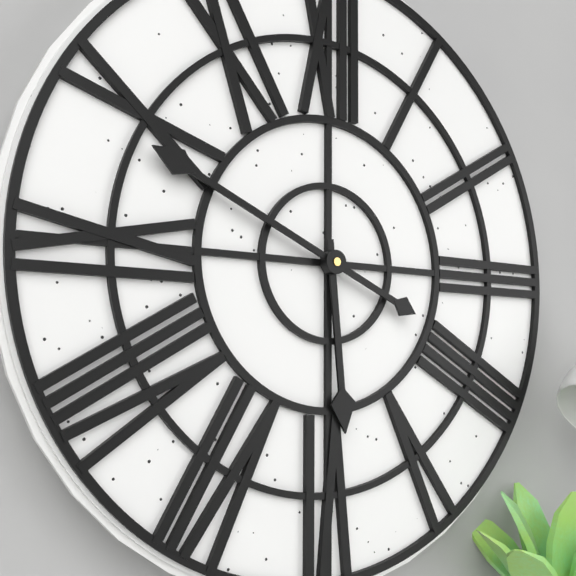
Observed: 5:49
